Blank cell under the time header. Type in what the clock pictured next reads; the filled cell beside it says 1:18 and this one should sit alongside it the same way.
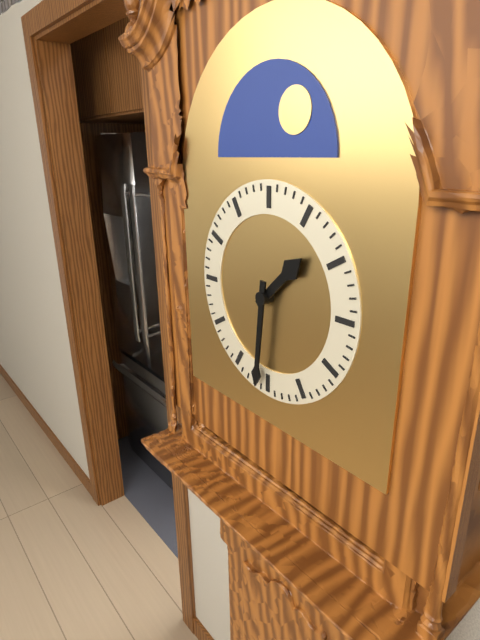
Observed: 1:31
